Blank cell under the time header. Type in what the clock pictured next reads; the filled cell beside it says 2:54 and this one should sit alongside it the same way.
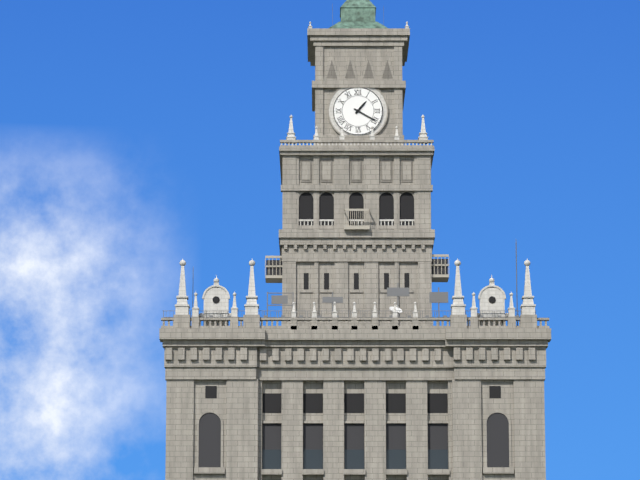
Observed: 1:20
